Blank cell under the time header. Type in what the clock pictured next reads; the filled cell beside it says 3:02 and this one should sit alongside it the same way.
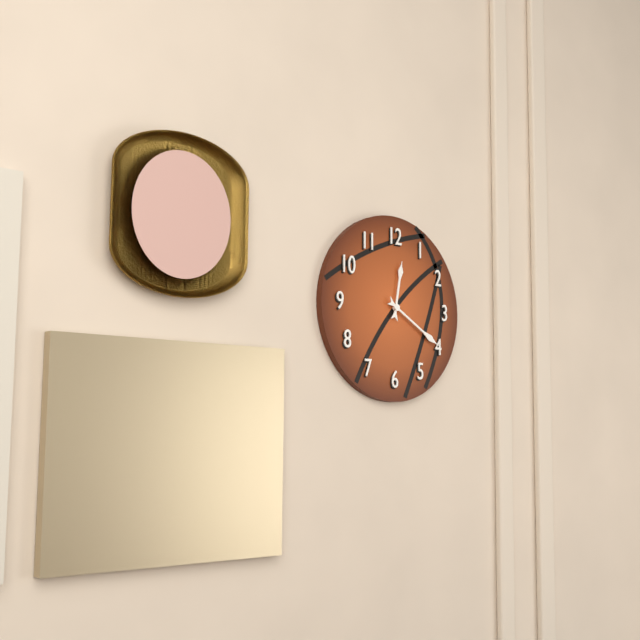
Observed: 12:20
